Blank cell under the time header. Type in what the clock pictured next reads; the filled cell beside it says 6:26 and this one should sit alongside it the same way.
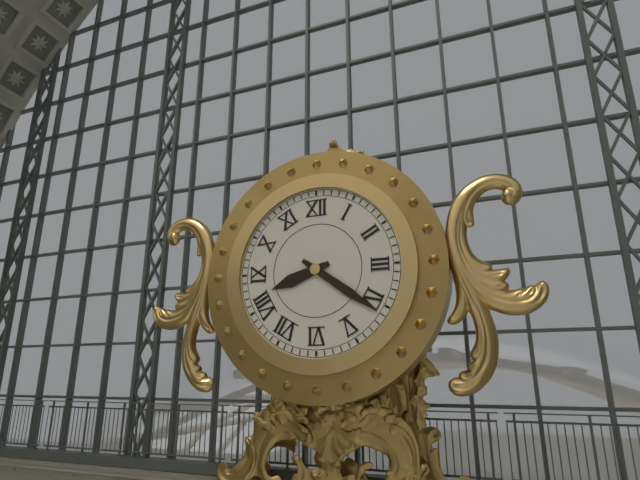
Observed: 8:21
